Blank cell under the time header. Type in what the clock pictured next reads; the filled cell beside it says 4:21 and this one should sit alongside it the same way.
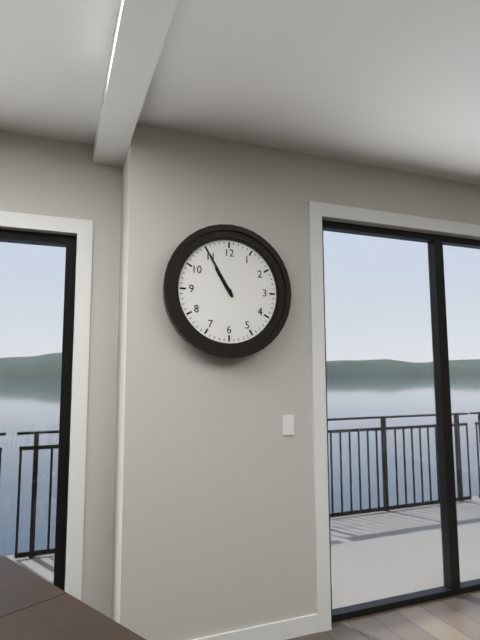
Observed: 10:55
